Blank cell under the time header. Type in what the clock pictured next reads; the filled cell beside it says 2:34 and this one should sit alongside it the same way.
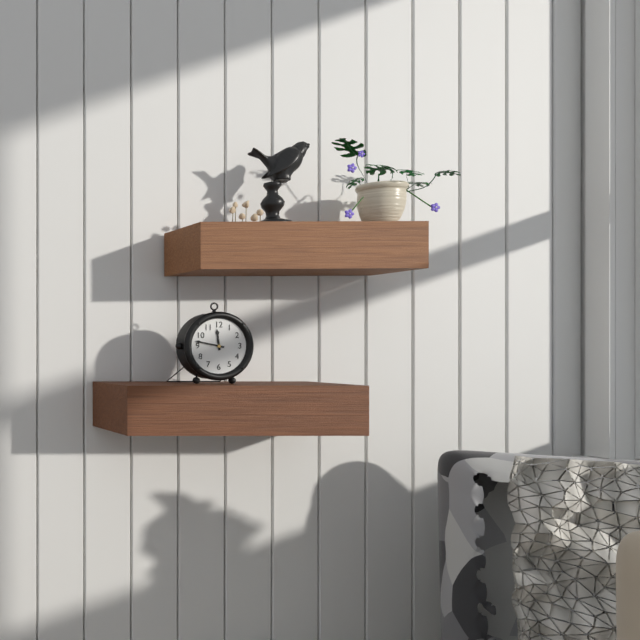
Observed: 11:47
